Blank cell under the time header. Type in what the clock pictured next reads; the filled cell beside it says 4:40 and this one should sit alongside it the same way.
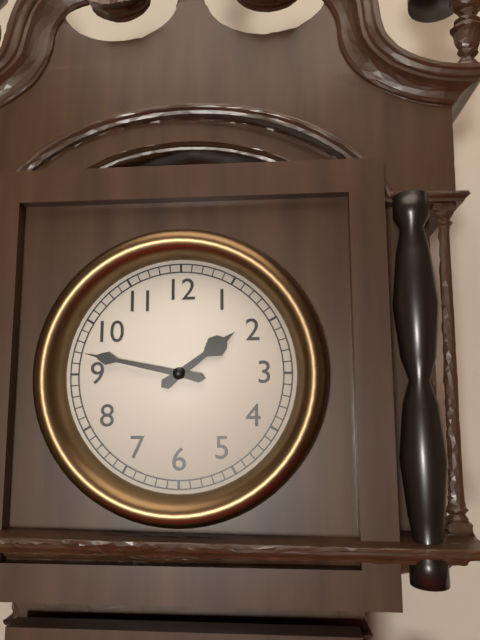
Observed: 1:47
